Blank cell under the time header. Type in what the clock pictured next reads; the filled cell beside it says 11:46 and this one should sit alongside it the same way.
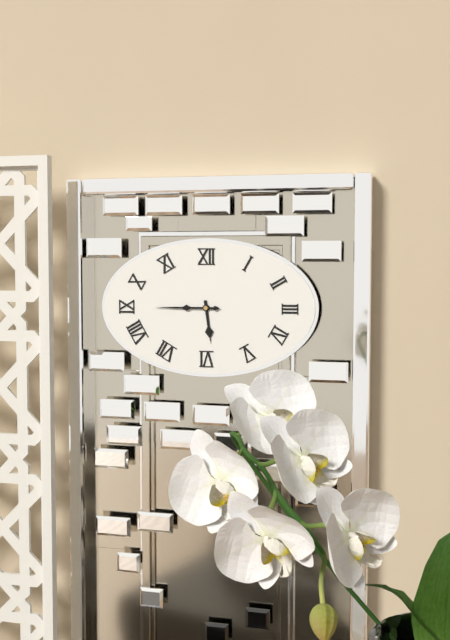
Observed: 5:45
